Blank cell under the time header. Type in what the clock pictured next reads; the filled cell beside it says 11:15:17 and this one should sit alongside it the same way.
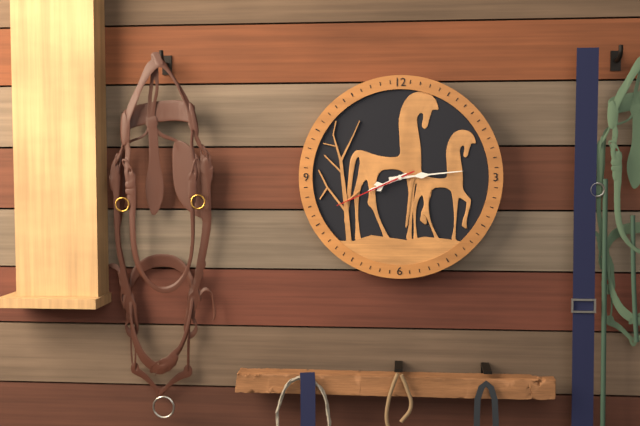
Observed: 8:14:41
